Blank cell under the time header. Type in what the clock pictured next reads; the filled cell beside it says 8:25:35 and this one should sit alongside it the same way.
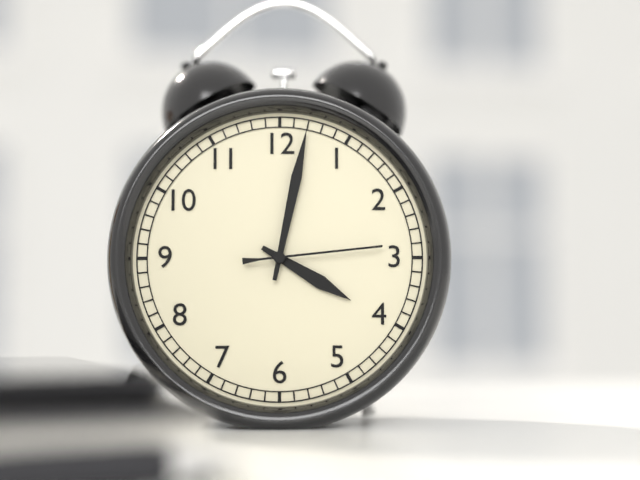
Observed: 4:02:14
